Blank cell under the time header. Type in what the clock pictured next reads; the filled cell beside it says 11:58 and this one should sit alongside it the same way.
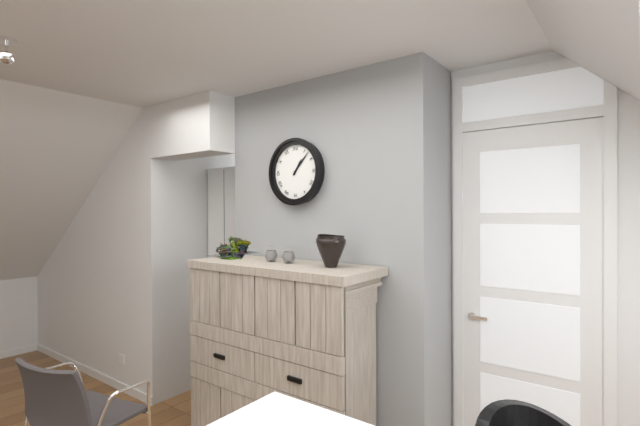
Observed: 1:07
